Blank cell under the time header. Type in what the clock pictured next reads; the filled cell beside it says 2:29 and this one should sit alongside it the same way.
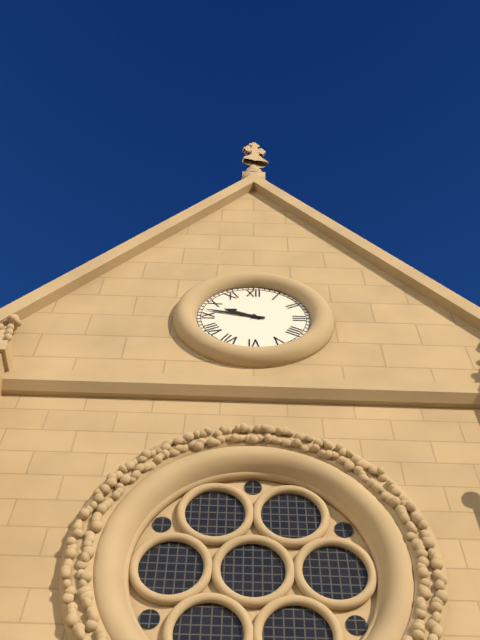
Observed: 9:47
